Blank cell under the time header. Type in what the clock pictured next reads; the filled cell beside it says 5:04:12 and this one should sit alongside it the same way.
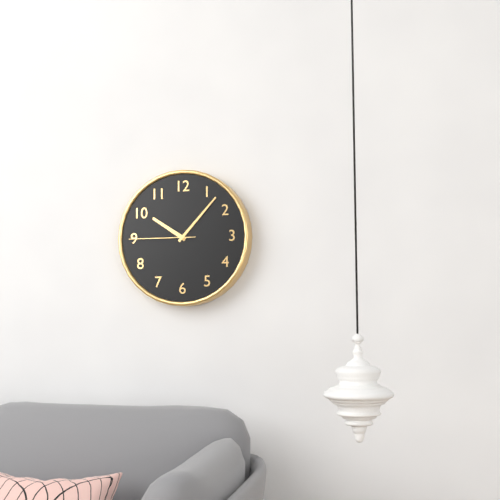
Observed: 10:07:45
